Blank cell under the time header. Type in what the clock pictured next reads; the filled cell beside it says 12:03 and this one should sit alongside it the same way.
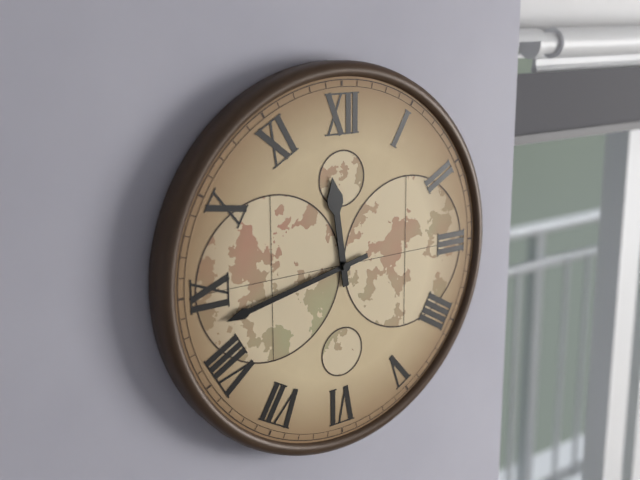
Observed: 11:43
